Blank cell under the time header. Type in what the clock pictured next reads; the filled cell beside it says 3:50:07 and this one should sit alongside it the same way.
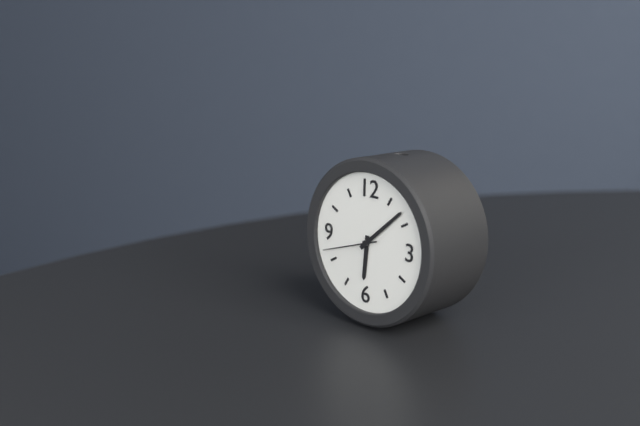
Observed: 6:08:42
